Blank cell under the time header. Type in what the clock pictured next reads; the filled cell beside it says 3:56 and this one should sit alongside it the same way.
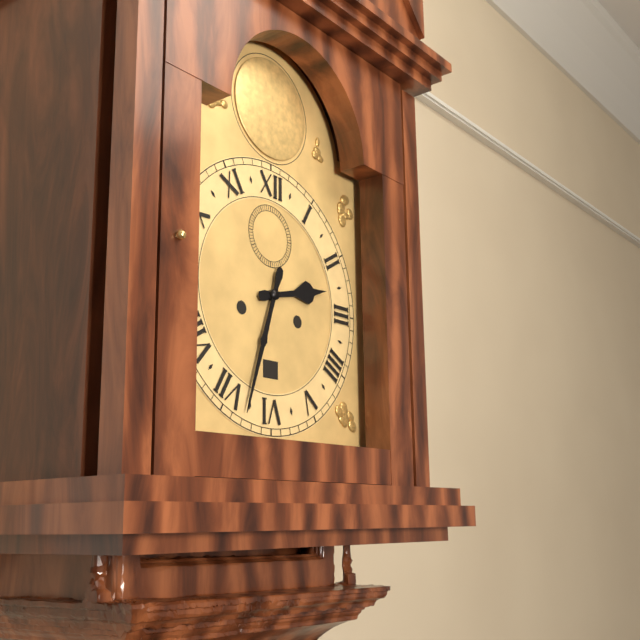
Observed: 2:33
